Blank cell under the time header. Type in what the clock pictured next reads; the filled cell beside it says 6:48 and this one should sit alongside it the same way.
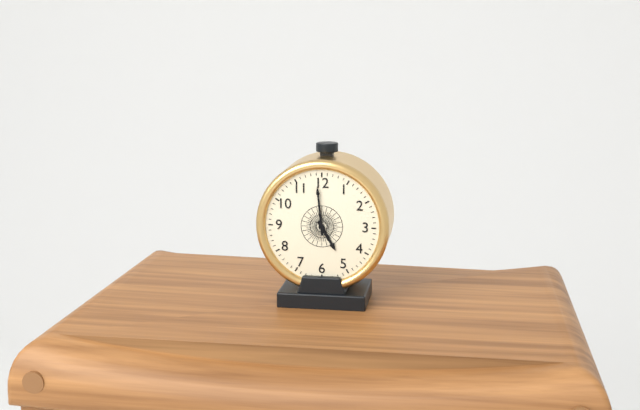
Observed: 4:59
